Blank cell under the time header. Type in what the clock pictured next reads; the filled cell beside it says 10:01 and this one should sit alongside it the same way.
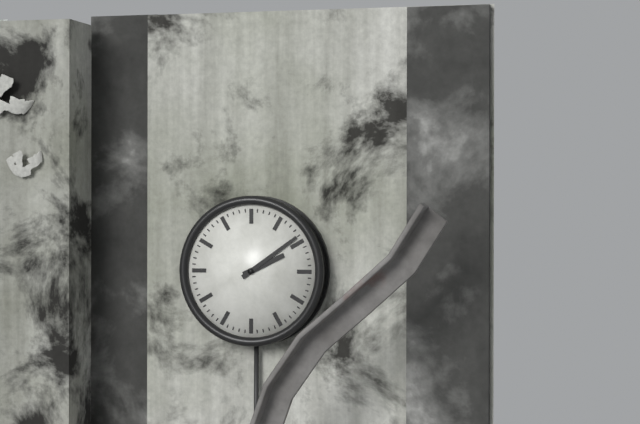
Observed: 2:09
